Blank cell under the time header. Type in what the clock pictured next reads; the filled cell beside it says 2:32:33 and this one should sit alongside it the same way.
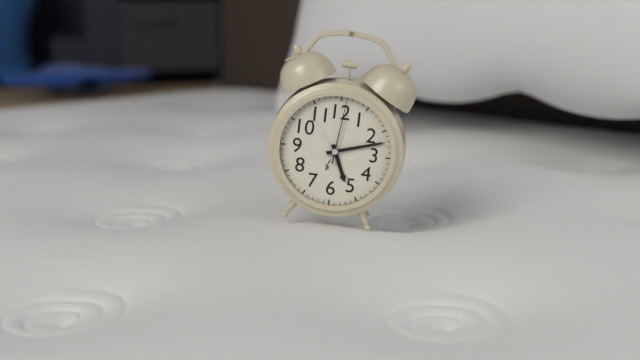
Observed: 5:12:01
